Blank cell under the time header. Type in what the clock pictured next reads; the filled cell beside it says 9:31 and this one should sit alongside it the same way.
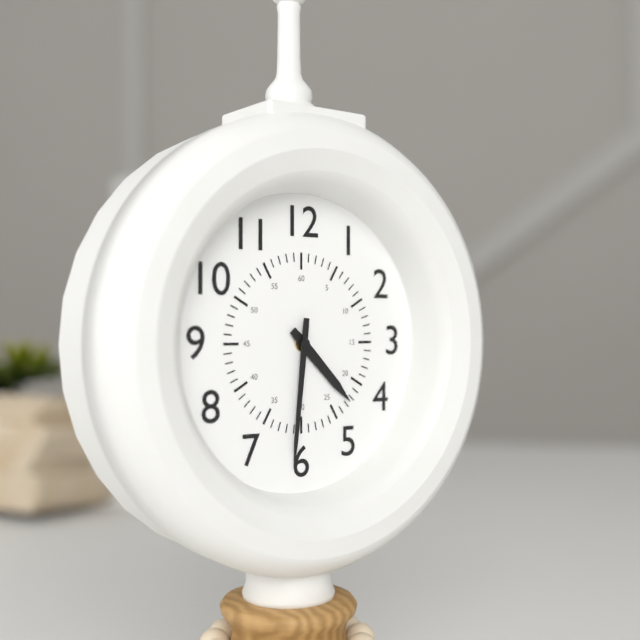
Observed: 4:31
